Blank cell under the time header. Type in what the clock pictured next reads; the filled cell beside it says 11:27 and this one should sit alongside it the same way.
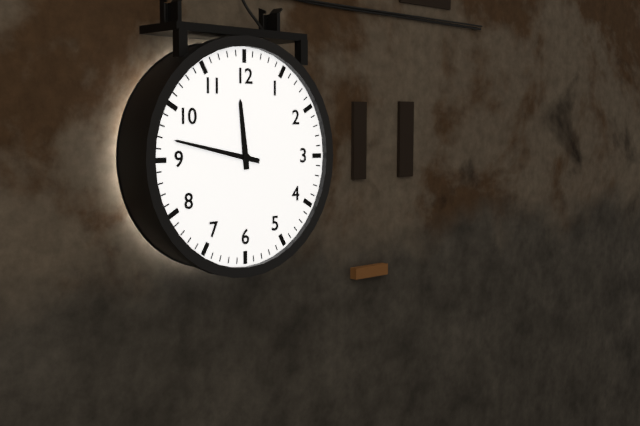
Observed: 11:47
